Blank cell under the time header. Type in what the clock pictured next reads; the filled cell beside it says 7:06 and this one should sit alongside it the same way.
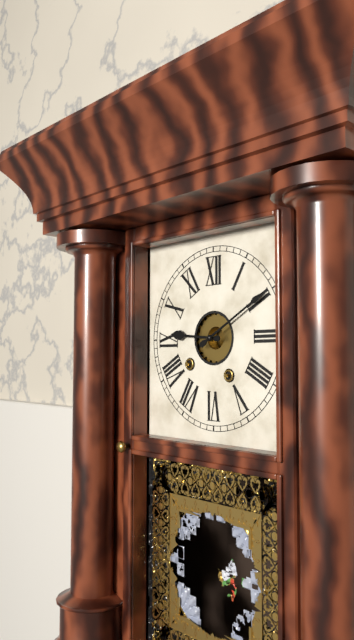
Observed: 9:10
